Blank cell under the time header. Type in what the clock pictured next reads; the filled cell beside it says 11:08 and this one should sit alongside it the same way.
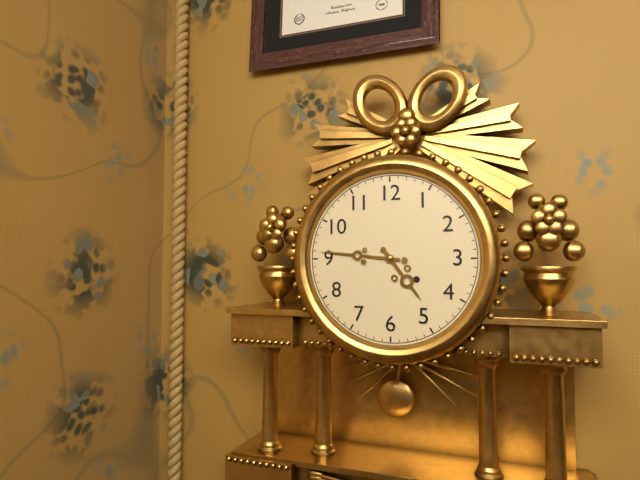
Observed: 4:46
